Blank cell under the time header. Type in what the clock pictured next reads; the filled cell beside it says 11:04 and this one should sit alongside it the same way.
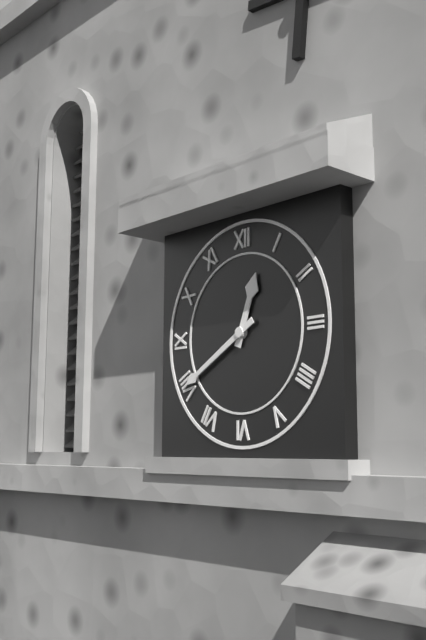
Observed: 12:40
